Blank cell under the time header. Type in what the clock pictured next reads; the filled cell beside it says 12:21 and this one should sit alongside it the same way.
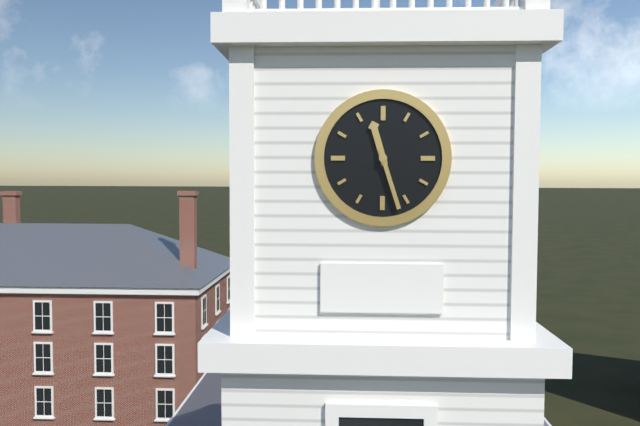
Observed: 11:27
